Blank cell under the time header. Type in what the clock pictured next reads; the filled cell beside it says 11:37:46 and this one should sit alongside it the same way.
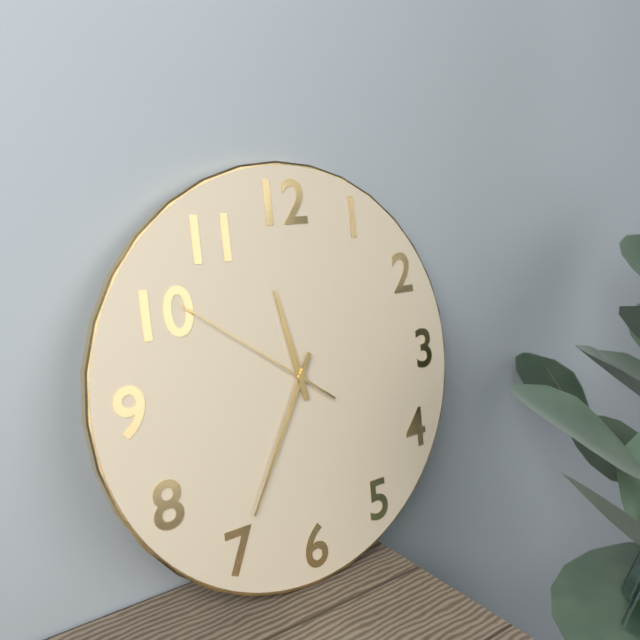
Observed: 11:35:51
